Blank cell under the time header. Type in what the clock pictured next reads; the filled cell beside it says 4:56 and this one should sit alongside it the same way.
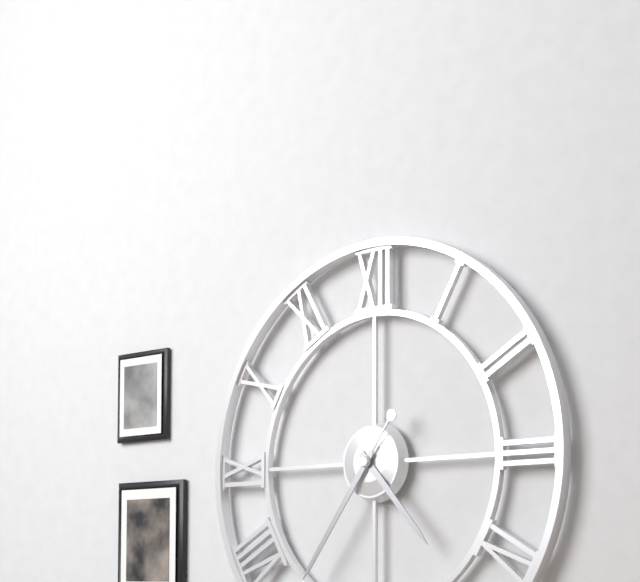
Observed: 4:36
